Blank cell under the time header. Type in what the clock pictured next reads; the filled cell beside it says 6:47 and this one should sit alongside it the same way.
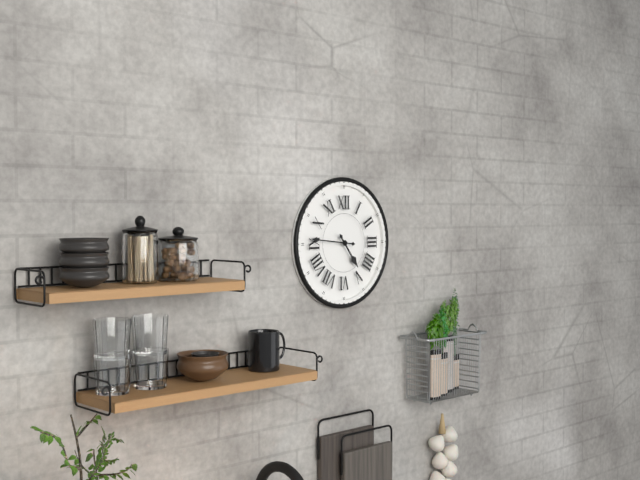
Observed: 4:46
